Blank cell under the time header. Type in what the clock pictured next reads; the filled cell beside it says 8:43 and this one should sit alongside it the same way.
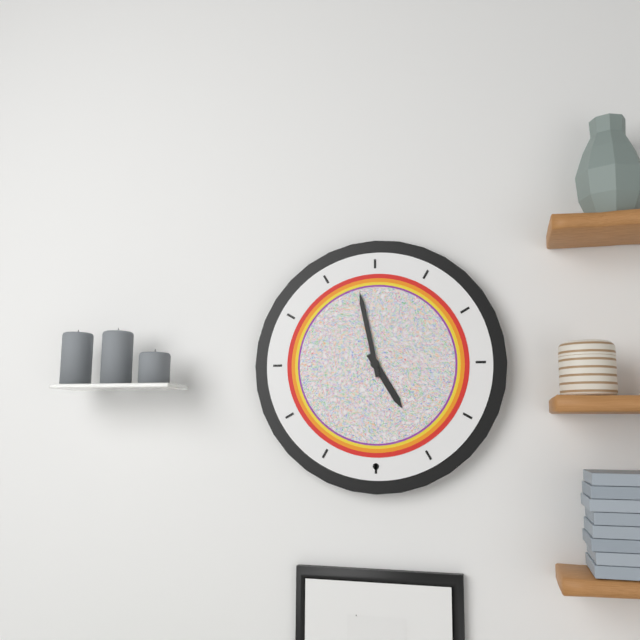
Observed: 4:58
